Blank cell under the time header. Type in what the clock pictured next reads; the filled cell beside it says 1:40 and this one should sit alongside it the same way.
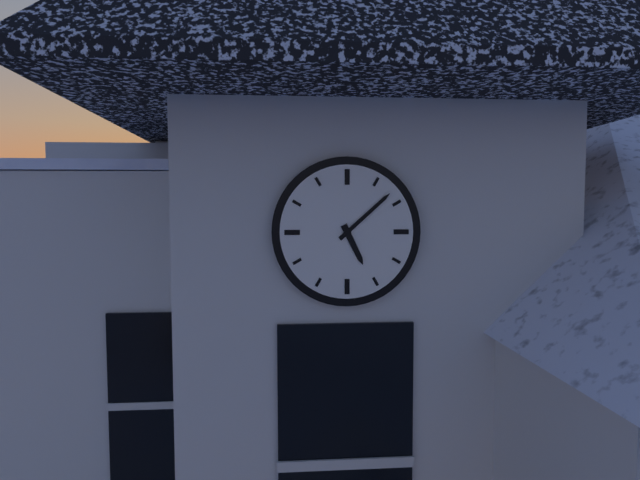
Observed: 5:08
